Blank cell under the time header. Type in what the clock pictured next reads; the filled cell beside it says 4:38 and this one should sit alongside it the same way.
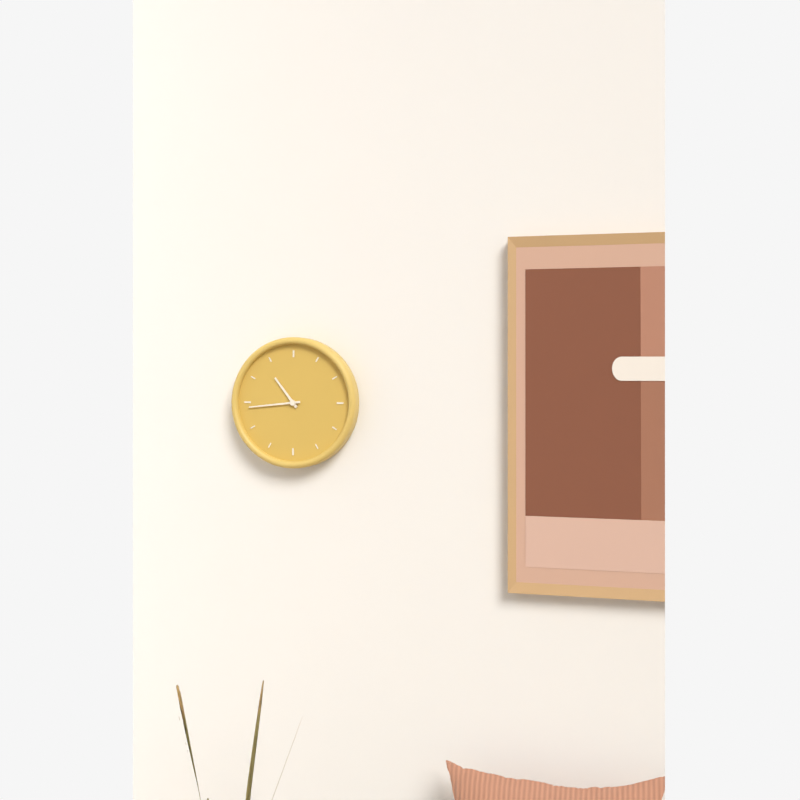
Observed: 10:44
